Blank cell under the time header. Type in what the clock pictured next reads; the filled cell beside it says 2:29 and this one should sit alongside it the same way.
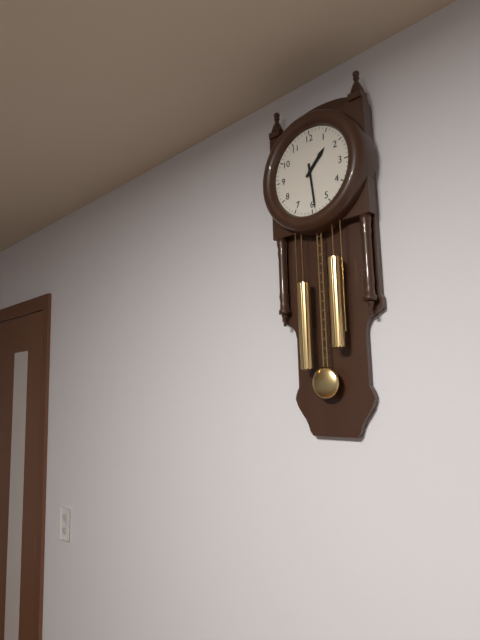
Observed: 1:29
